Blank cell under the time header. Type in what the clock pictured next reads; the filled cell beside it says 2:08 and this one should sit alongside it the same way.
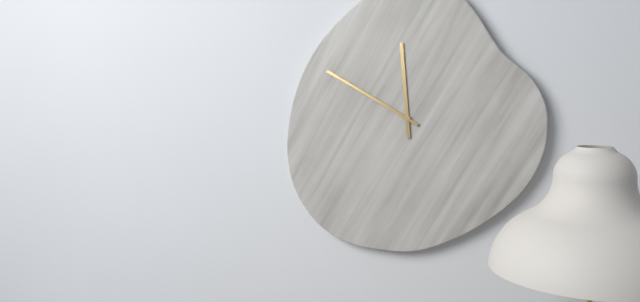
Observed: 11:50
